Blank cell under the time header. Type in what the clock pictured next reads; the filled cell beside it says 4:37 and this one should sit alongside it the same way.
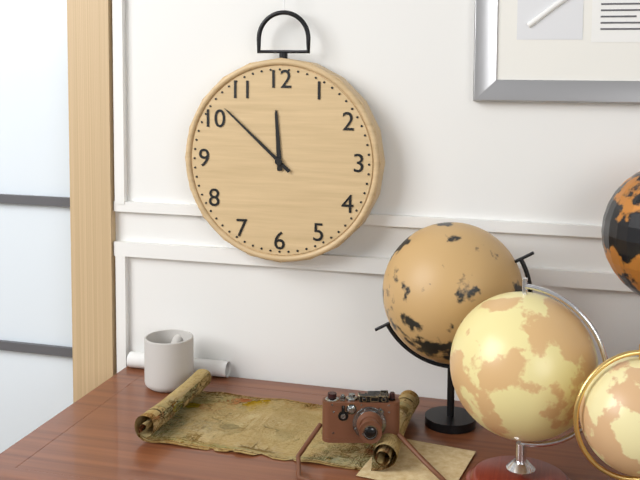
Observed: 11:52
